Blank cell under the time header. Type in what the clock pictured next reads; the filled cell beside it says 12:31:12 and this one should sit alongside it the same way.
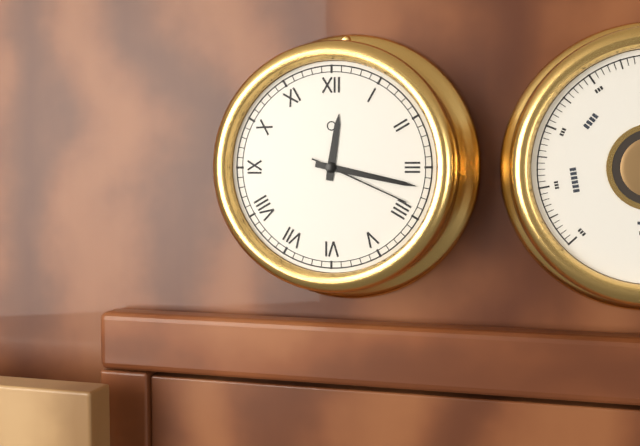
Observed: 12:17:19
